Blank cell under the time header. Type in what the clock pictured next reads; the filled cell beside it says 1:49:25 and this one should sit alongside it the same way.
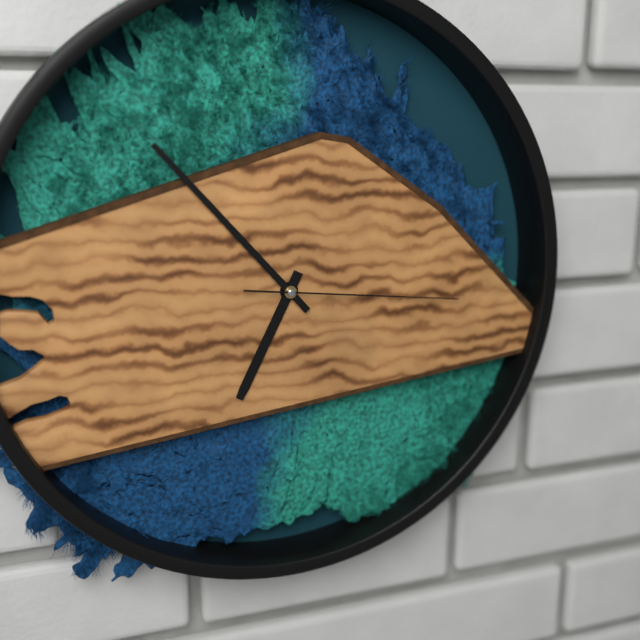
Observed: 6:53:16
